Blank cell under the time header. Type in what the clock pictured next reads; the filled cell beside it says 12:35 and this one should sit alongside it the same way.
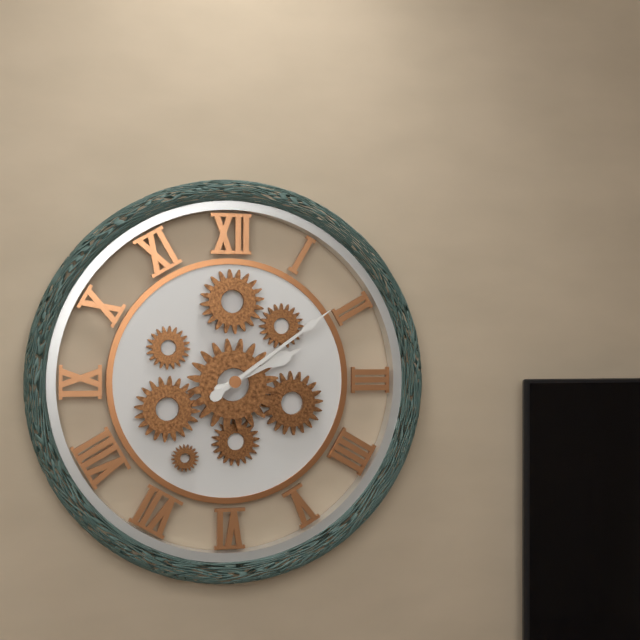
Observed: 2:09
